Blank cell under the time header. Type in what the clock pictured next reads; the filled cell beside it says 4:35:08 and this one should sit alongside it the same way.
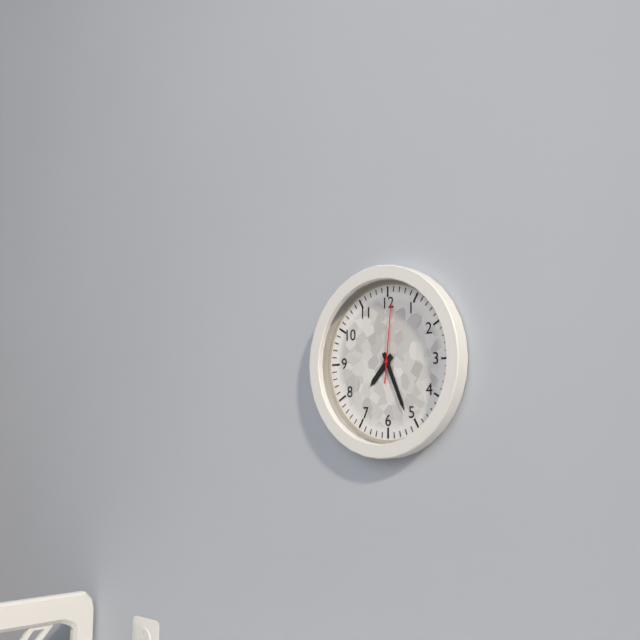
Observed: 7:26:01
